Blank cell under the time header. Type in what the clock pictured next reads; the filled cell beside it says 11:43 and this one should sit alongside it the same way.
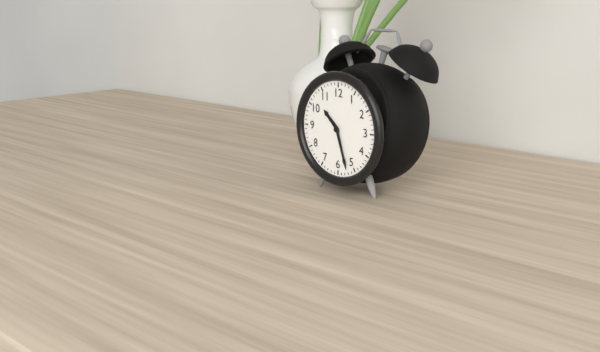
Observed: 10:27
